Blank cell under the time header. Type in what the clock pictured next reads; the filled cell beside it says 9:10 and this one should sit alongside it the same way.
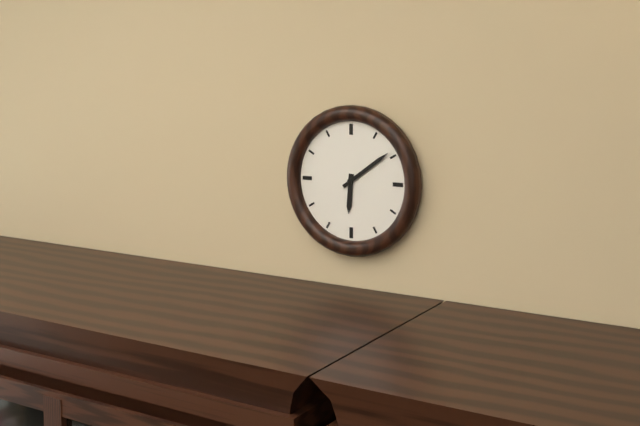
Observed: 6:09
